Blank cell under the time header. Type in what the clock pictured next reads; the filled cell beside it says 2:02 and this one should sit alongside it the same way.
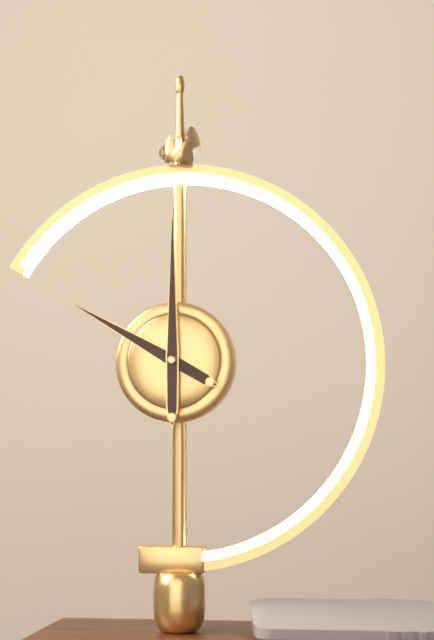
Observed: 10:00
